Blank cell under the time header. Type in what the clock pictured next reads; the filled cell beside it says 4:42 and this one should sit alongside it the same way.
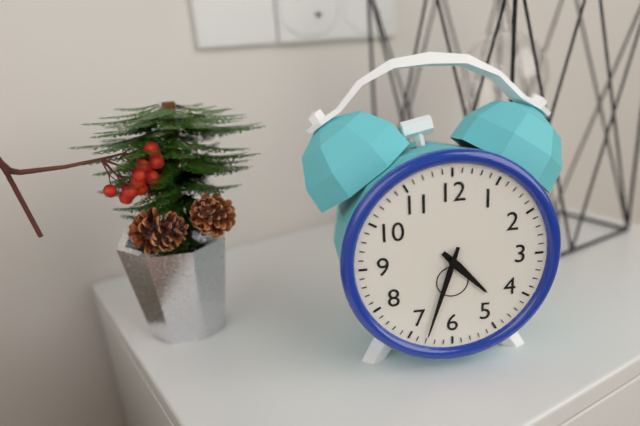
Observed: 4:33
